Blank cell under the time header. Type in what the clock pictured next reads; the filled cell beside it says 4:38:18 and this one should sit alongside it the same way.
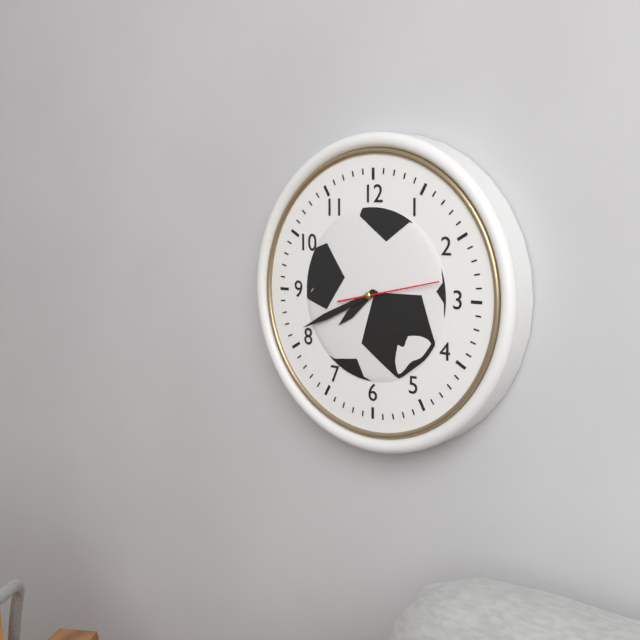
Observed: 7:41:13
